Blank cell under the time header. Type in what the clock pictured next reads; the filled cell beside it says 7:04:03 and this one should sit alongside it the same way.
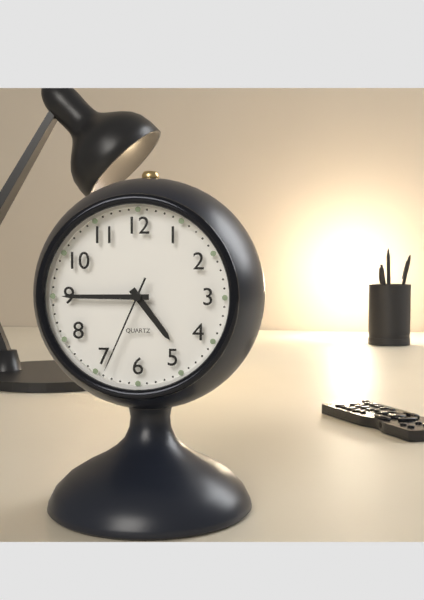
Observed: 4:45:34
